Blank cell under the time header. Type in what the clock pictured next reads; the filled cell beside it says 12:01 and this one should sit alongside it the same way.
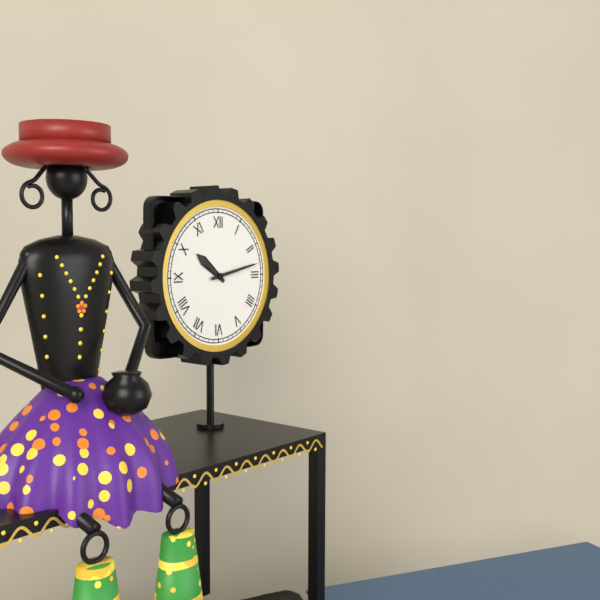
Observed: 10:13
